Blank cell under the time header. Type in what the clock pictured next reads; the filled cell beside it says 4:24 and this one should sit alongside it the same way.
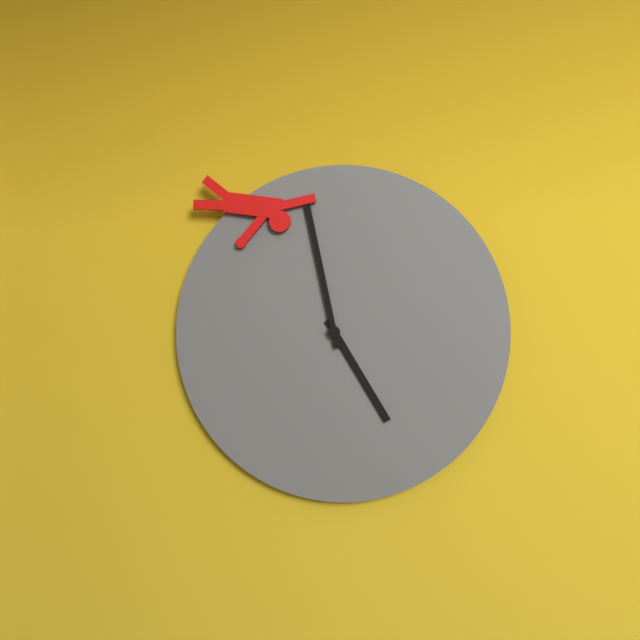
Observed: 4:58
